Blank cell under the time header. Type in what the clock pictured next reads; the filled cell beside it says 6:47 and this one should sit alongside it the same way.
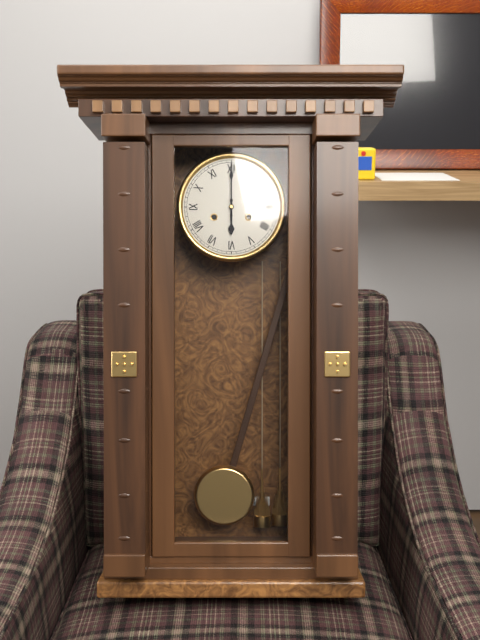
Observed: 6:00
